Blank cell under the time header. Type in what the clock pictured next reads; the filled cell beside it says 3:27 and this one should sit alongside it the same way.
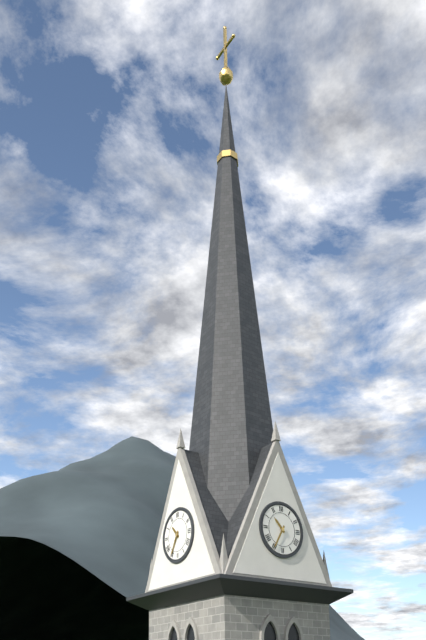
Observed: 10:35
